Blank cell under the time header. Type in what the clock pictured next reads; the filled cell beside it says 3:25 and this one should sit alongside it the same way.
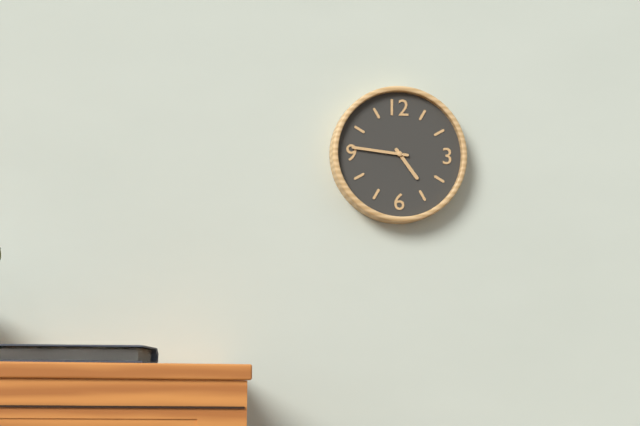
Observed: 4:46
